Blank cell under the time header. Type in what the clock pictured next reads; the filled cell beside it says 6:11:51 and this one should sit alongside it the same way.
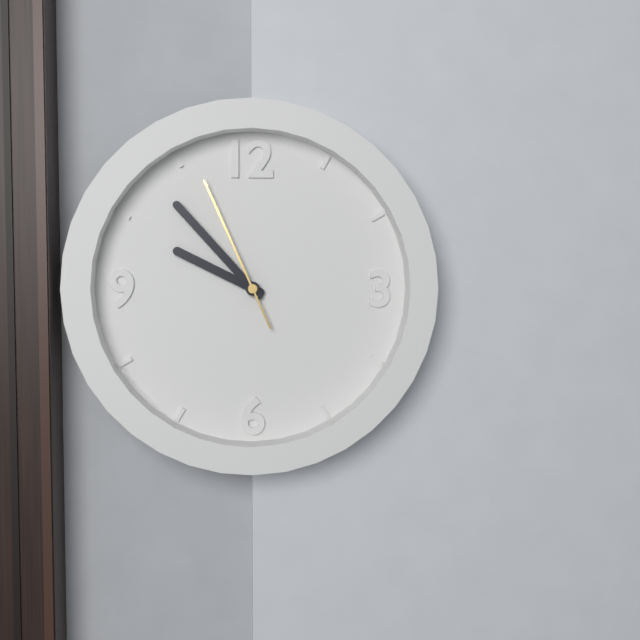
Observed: 9:53:56
